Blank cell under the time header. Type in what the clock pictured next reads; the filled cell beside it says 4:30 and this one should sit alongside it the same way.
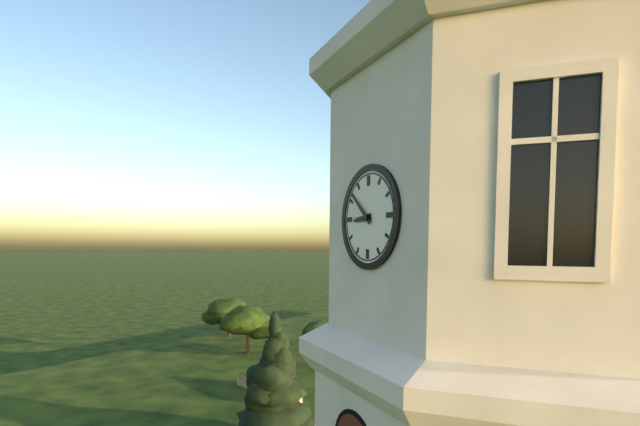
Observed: 8:52
